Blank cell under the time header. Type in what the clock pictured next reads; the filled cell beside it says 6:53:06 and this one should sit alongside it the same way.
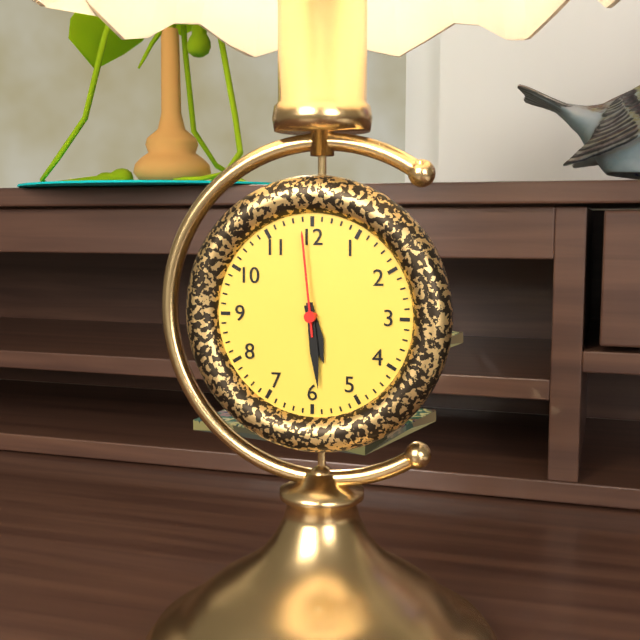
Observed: 5:29:59
